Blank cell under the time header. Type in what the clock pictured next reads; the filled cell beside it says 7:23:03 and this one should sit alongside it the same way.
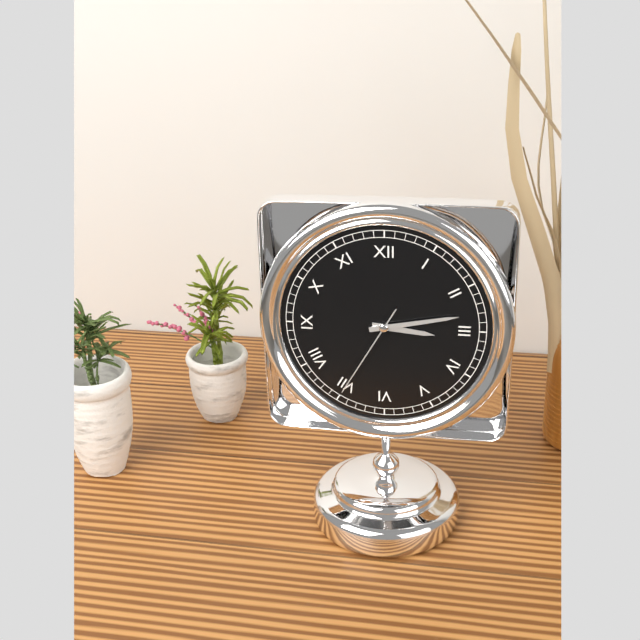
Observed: 3:13:35
